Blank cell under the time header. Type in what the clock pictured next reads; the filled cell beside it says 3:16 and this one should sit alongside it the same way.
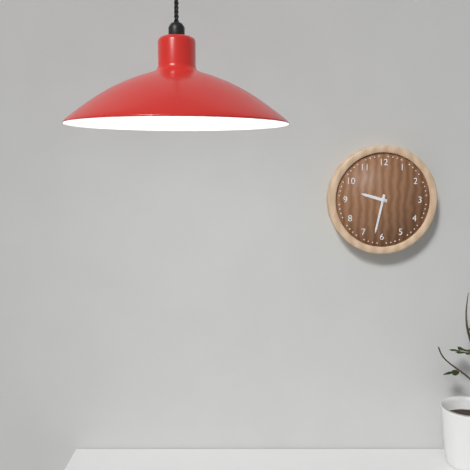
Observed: 9:32
